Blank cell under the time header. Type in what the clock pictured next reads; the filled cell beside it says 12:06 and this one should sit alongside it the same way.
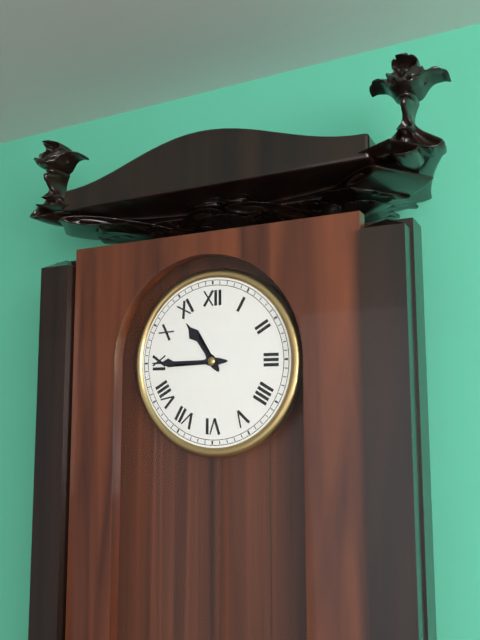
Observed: 10:45
